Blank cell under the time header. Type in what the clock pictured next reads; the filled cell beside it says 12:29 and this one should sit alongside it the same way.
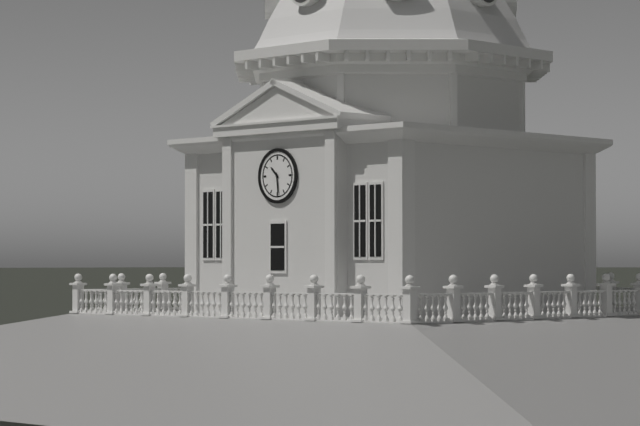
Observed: 10:29
